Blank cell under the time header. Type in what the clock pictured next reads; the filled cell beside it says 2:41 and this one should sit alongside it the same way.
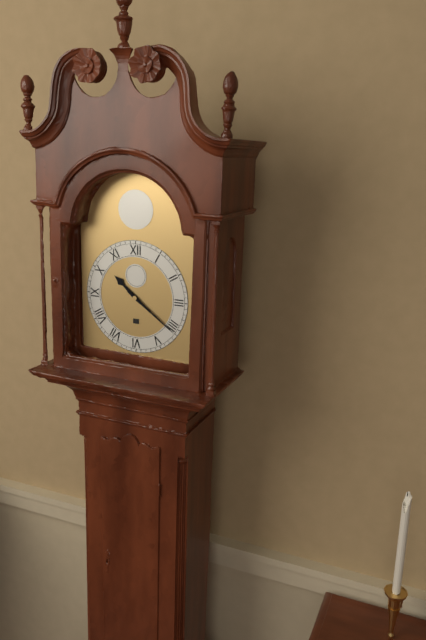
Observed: 10:21
